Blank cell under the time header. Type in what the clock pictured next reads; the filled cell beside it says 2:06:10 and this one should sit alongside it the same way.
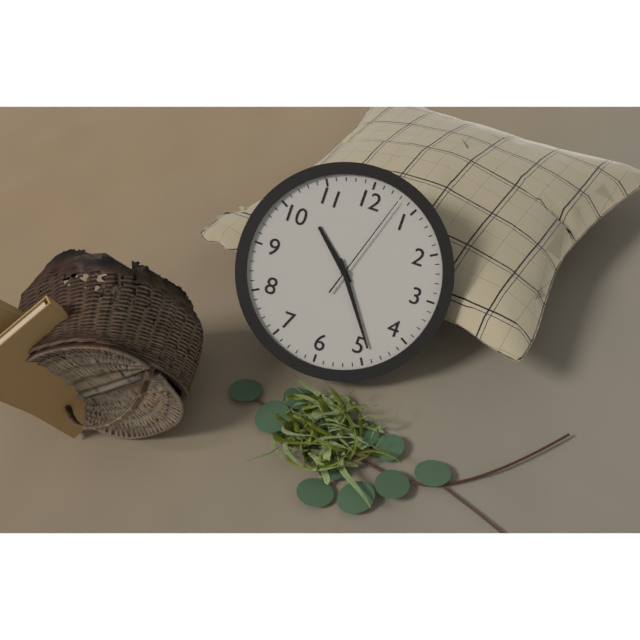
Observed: 10:24:03
